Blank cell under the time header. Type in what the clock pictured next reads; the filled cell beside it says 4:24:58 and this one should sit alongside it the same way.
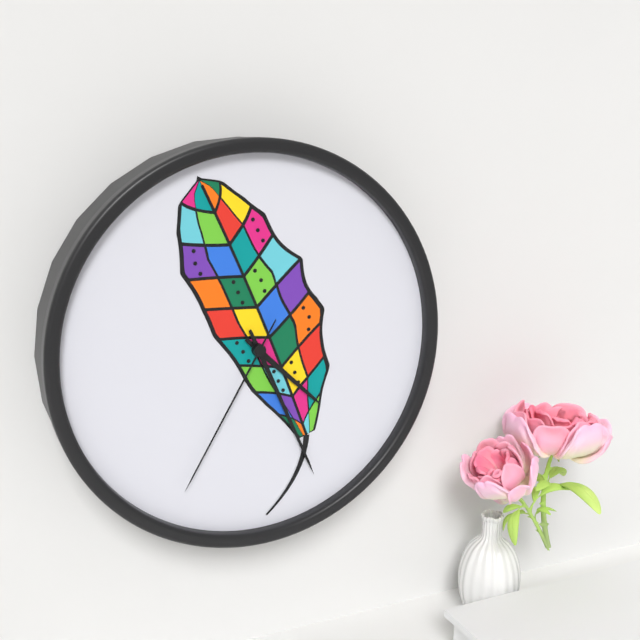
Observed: 4:26:35
